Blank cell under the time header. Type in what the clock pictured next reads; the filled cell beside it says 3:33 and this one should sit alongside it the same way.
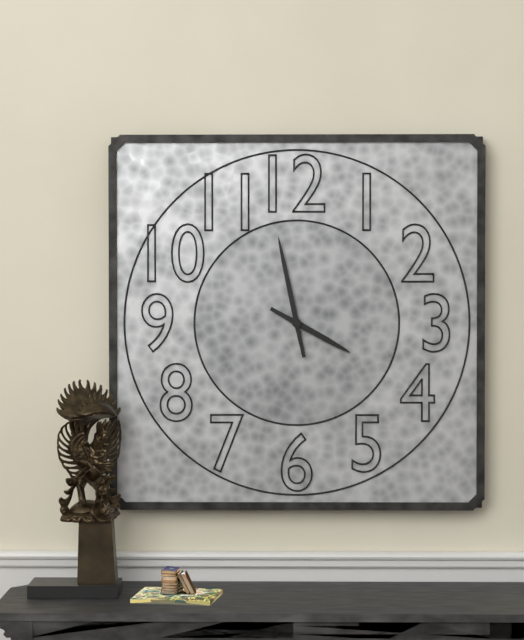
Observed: 3:58
